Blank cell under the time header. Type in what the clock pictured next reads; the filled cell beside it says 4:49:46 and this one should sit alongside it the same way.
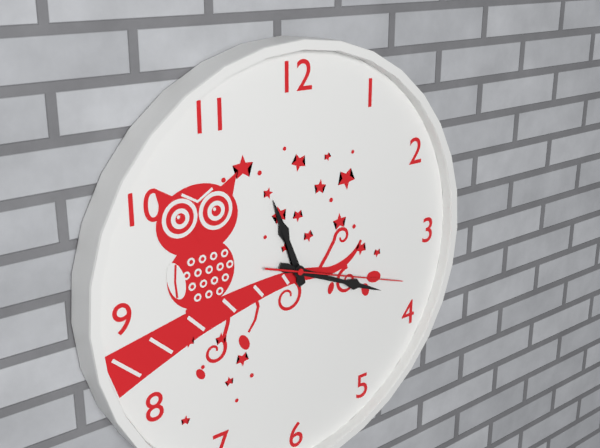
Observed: 11:19:18
